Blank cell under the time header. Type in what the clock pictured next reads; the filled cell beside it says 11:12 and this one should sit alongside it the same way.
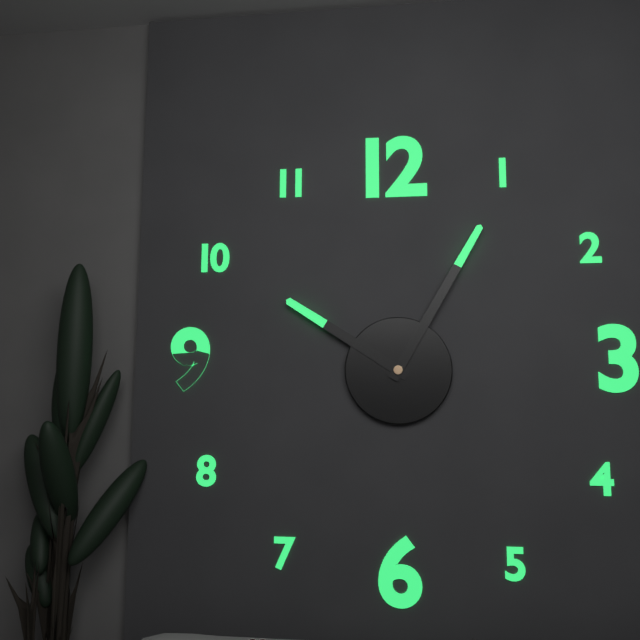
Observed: 10:05
